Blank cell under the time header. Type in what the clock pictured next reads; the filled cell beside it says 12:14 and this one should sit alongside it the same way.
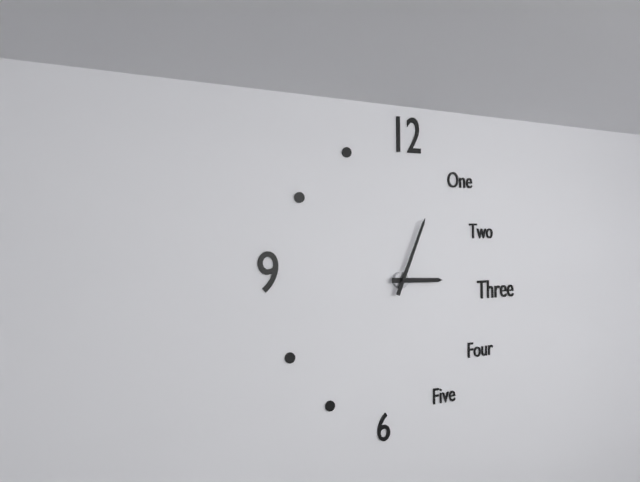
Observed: 3:04
